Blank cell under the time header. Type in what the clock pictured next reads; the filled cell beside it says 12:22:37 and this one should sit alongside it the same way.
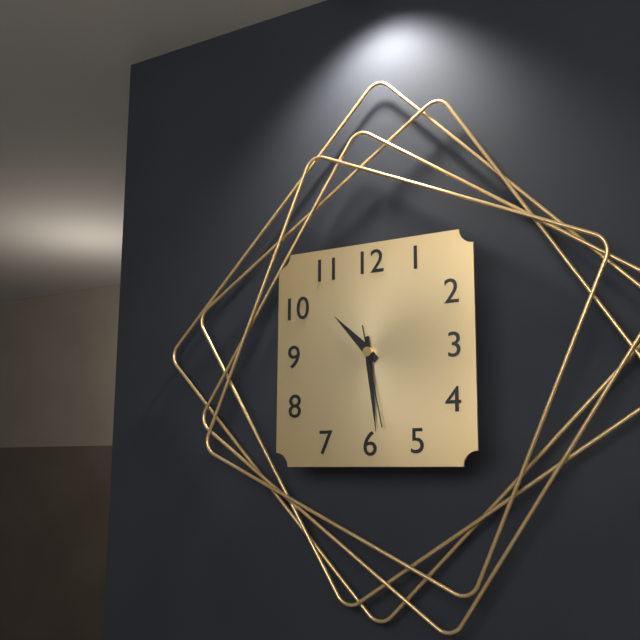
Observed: 10:29:28
